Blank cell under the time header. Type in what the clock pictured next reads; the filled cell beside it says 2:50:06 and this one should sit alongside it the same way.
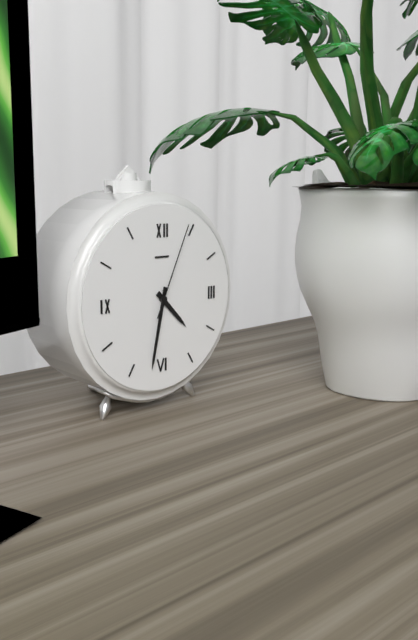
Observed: 4:32:04
